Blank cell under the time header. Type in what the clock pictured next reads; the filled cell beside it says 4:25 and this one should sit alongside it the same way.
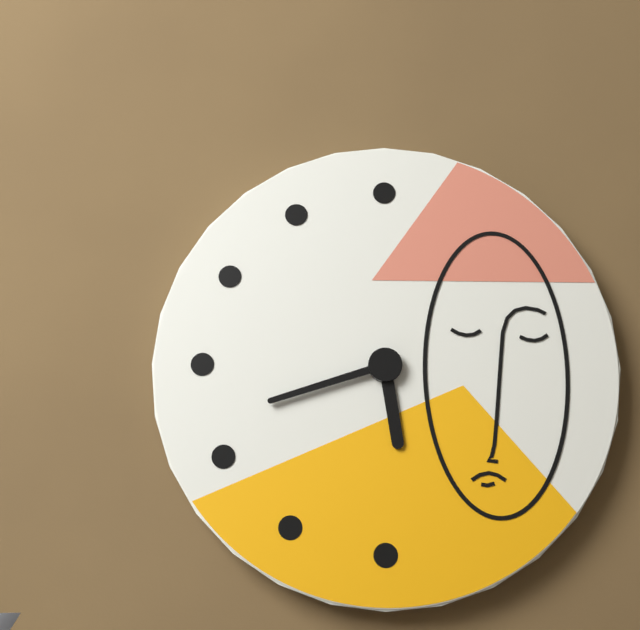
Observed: 5:42
